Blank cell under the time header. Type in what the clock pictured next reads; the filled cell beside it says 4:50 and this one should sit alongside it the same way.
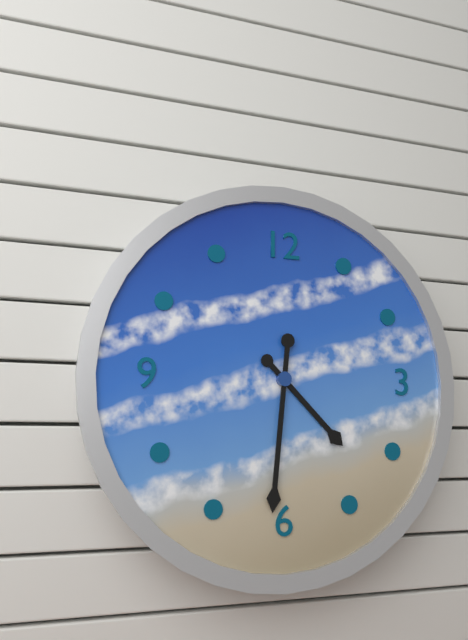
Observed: 4:31
